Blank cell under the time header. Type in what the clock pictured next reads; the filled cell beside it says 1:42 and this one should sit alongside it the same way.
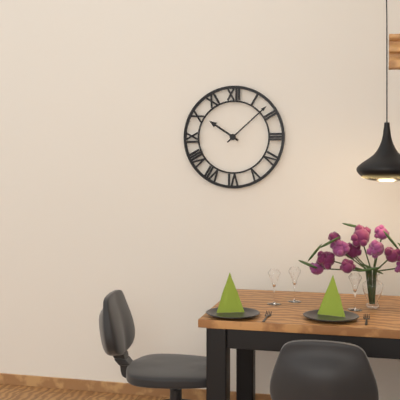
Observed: 10:08
